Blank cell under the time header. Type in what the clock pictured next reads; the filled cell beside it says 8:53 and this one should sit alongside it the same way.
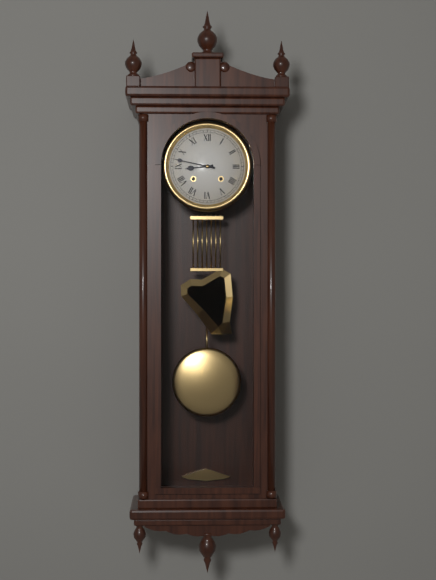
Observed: 8:47
